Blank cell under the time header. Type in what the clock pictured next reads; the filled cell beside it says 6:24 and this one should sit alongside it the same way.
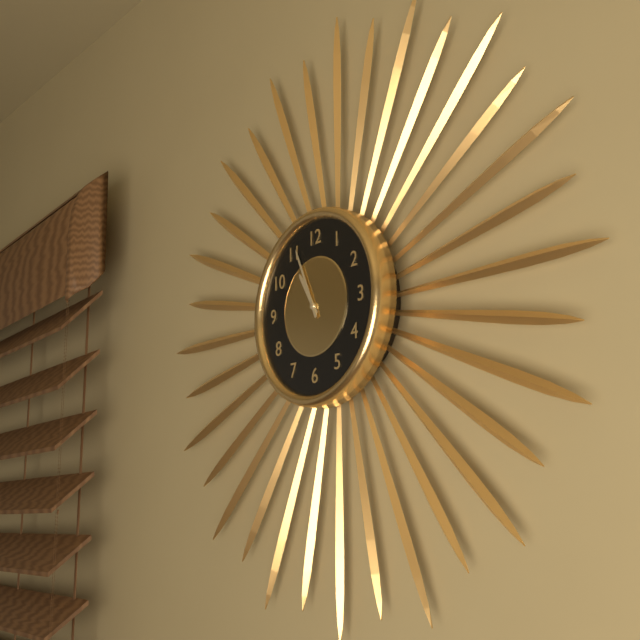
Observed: 10:56
